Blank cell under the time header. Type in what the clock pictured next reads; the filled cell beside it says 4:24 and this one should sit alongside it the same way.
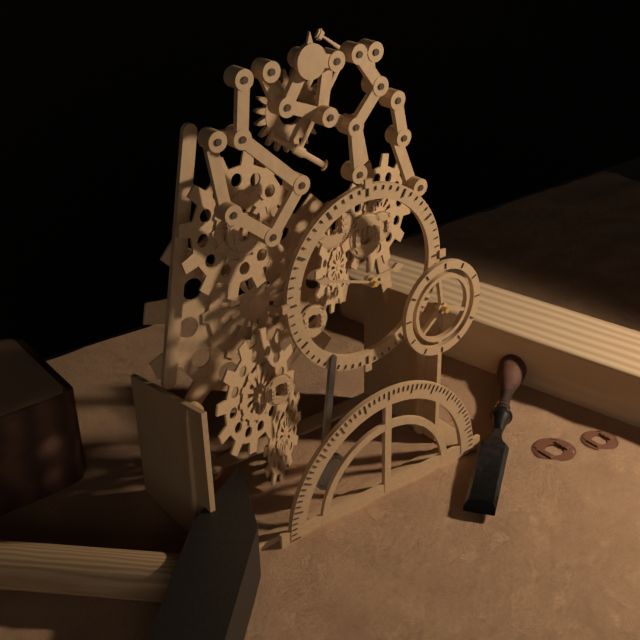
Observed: 2:48
